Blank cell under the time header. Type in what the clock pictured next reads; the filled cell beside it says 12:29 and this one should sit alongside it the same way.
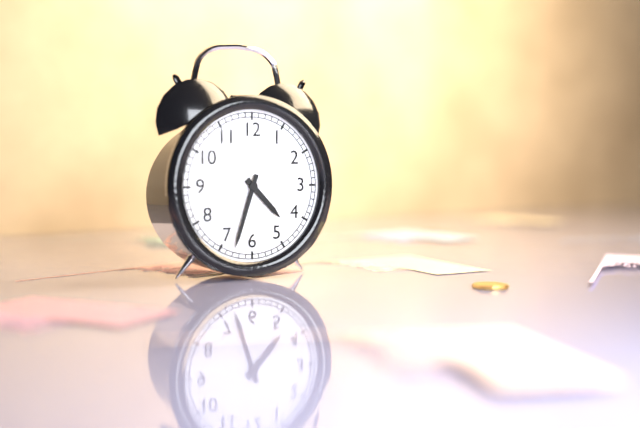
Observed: 4:33
